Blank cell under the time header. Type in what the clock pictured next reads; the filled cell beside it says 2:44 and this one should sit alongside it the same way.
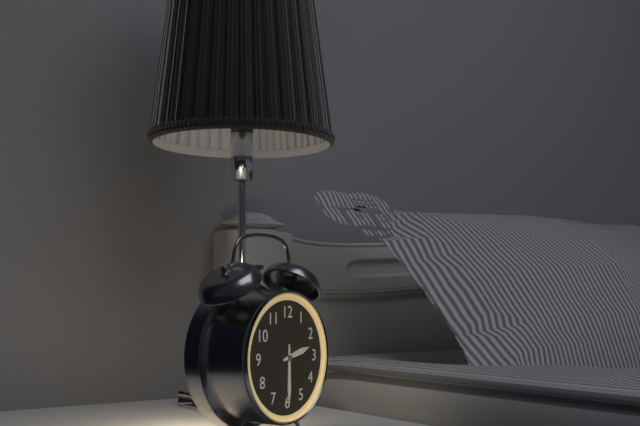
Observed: 2:30
